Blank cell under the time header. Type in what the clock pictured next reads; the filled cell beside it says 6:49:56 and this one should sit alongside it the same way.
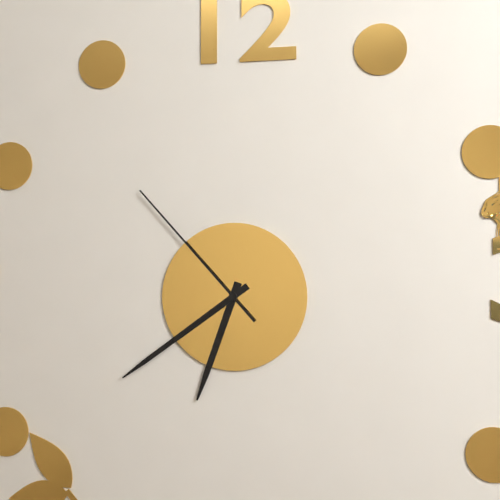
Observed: 6:39:53
